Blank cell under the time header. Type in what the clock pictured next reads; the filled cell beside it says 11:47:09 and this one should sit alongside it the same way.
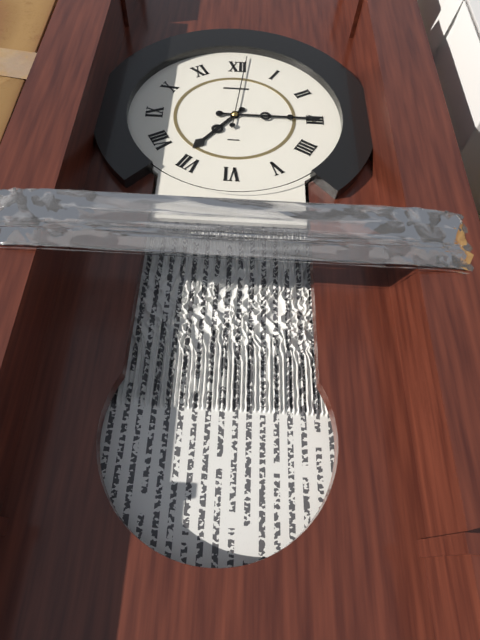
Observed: 7:15:01
